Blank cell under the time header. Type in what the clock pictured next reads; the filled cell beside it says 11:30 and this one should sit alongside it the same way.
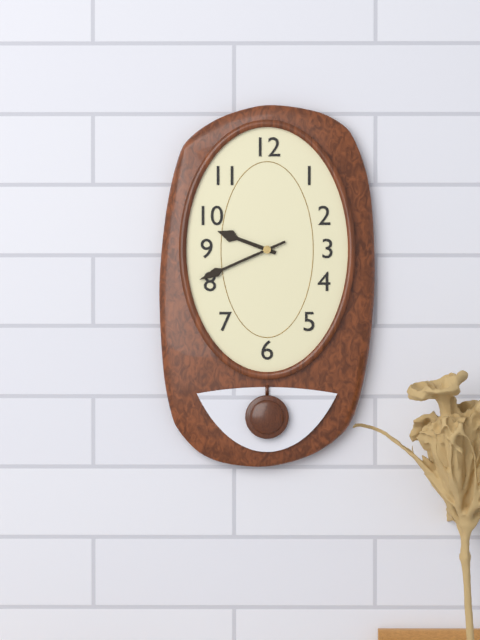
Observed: 9:41
